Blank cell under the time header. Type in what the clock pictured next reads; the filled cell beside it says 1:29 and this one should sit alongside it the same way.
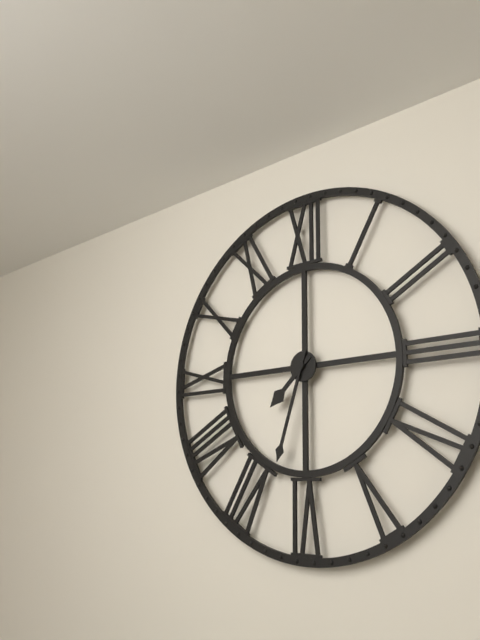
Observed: 7:33
